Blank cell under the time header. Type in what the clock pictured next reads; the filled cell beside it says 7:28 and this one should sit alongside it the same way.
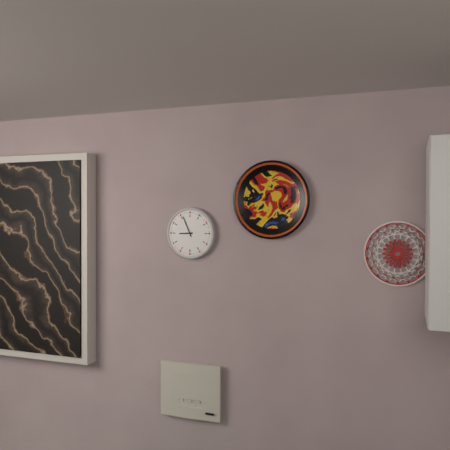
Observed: 8:56
